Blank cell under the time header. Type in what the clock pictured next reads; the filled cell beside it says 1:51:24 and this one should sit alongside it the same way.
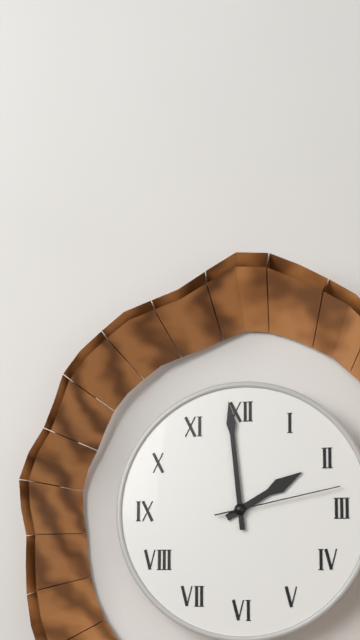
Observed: 1:59:13
